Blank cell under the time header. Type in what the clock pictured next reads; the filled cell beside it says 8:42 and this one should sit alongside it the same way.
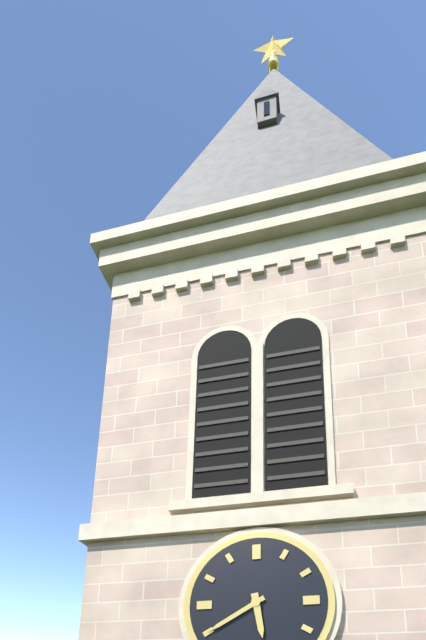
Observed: 5:40
